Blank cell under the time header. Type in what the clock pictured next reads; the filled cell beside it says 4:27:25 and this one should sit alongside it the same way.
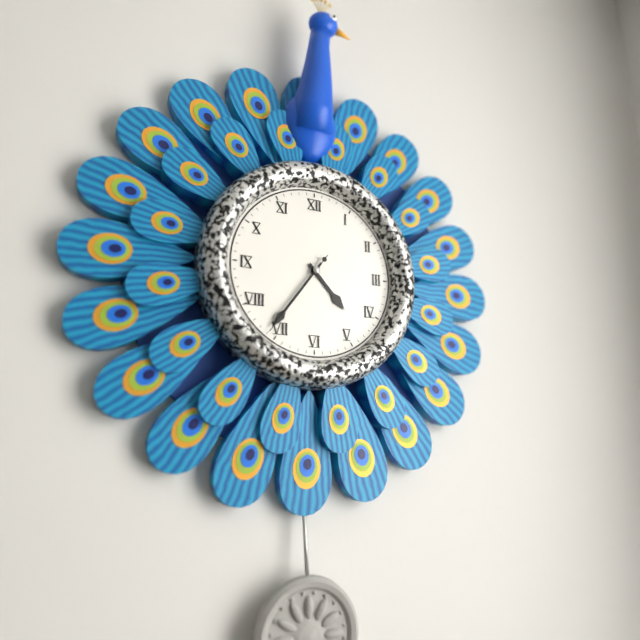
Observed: 4:36:36
